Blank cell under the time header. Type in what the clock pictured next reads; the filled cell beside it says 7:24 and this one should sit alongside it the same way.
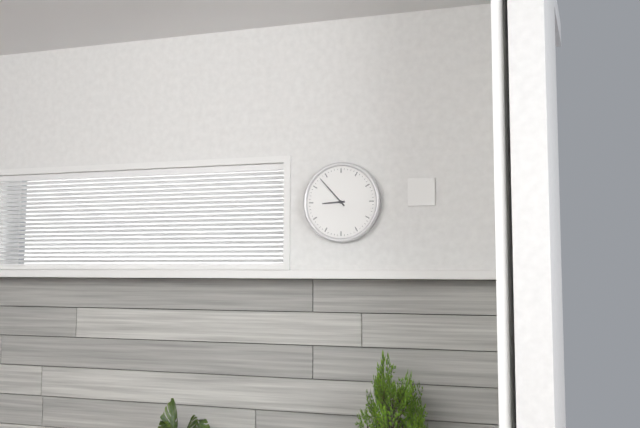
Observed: 8:53
